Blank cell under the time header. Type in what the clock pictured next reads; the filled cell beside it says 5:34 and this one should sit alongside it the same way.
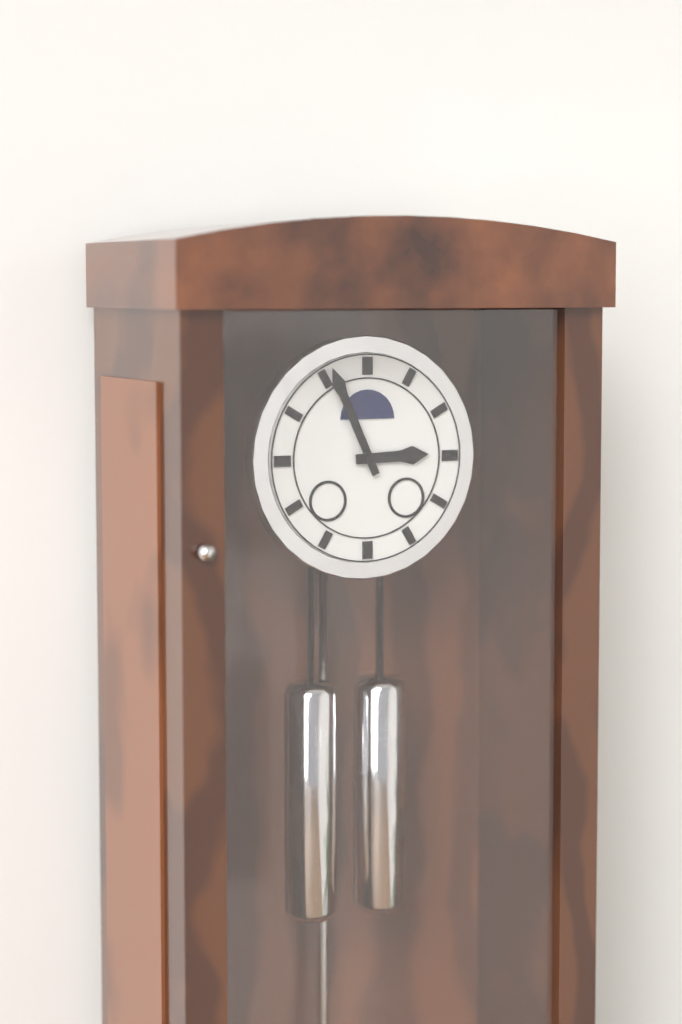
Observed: 2:56
